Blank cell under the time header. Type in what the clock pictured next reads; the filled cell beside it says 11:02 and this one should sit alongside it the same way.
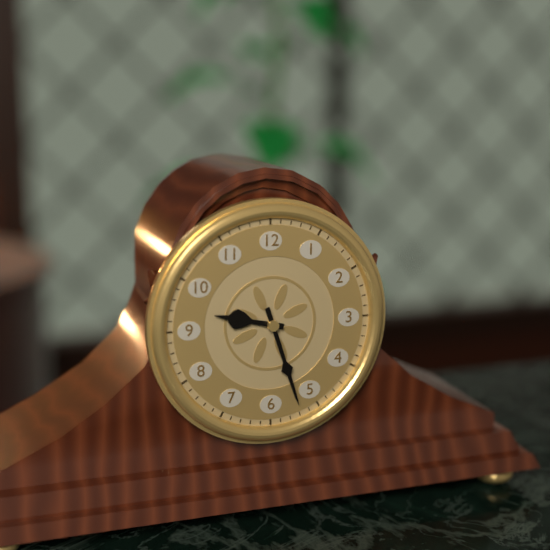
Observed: 9:27
